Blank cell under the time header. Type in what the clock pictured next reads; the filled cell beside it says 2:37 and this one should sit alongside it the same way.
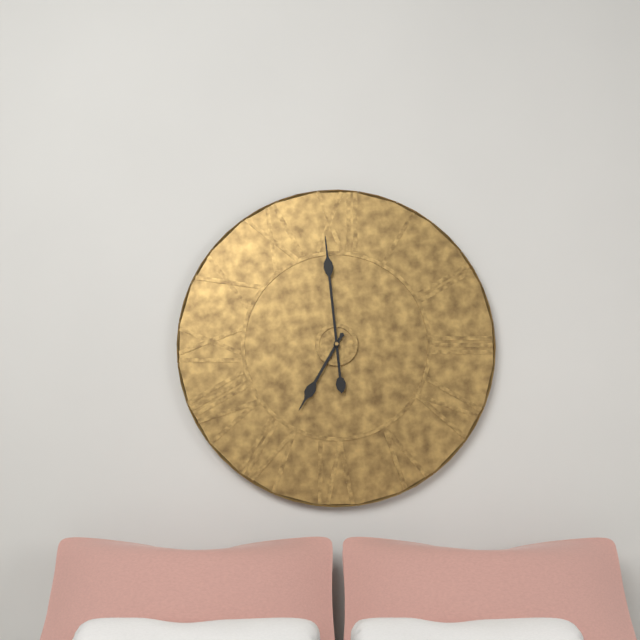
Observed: 6:59
